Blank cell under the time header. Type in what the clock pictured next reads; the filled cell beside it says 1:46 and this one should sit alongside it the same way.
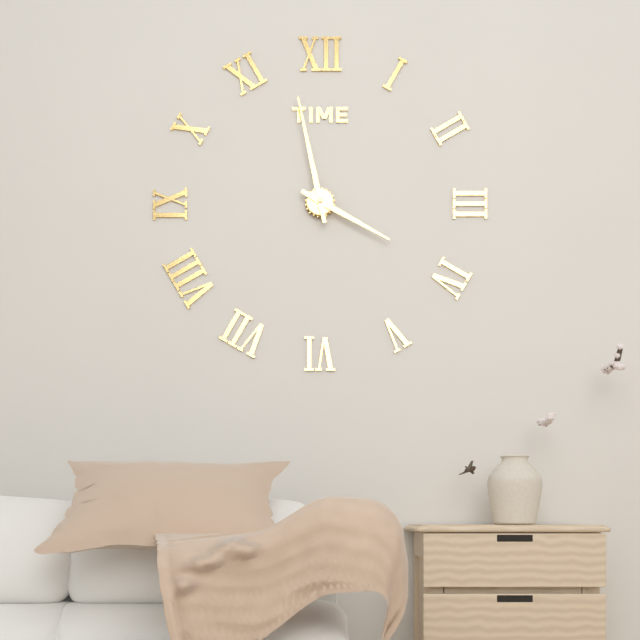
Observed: 3:58
